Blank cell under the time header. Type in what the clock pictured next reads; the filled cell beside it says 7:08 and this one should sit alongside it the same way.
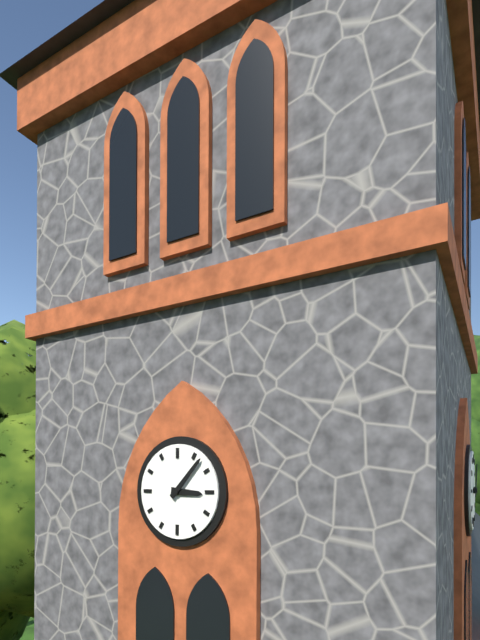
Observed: 3:07
